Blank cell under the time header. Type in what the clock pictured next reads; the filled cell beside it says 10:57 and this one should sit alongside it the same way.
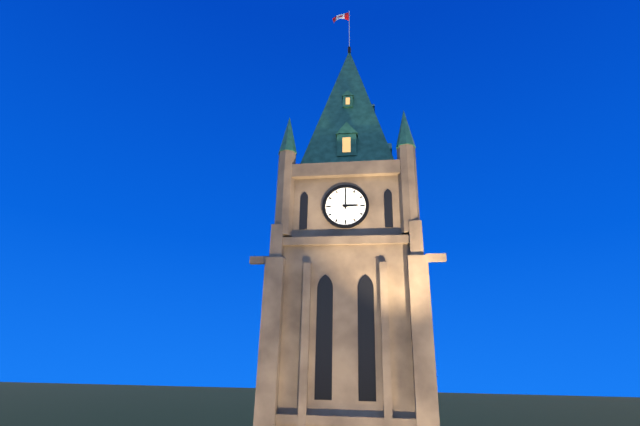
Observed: 3:00
